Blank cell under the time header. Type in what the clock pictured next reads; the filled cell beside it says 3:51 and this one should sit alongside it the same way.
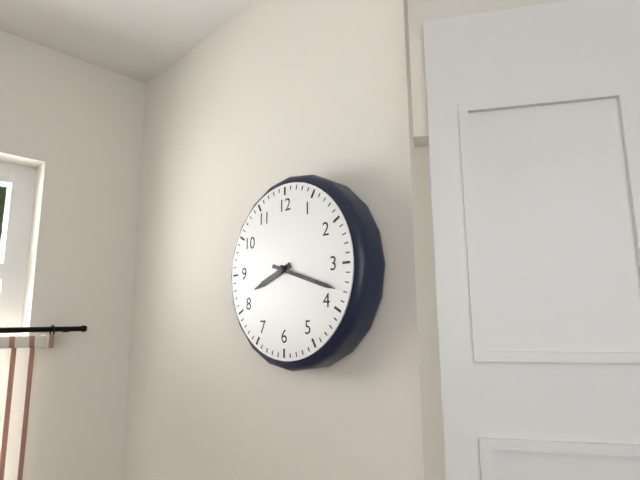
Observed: 8:18
